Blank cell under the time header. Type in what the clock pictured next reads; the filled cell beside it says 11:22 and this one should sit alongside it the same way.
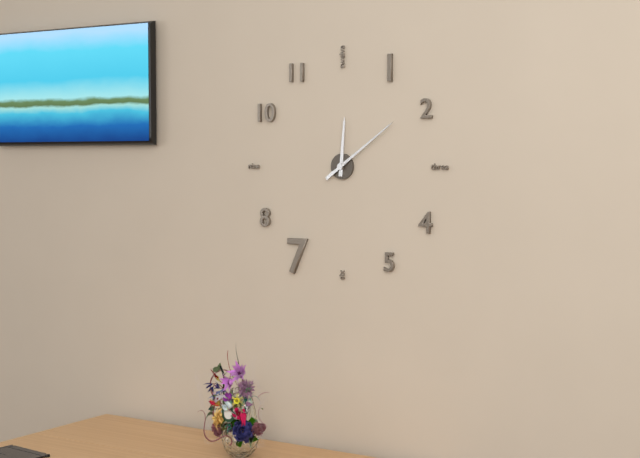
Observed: 12:09
